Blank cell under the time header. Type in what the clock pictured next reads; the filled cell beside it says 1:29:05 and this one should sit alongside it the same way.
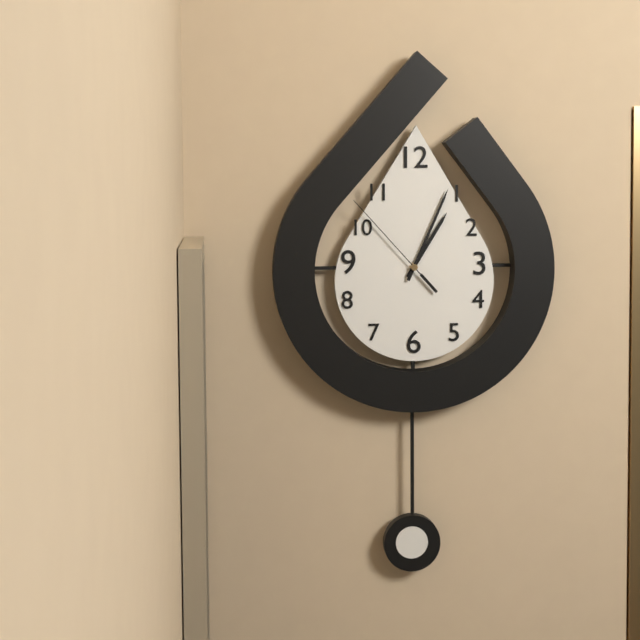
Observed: 1:04:53
